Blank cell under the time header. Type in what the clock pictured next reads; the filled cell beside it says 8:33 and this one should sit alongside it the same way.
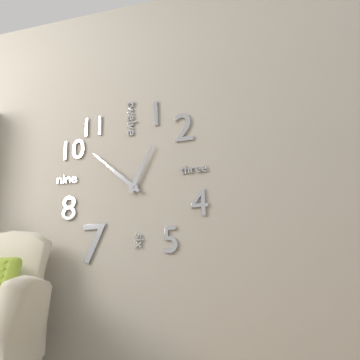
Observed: 12:52
